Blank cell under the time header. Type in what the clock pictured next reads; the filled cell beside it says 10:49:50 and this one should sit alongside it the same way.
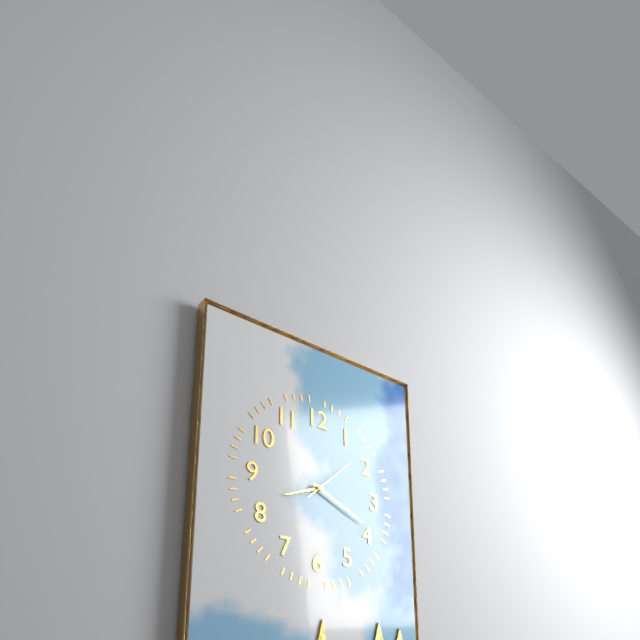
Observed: 8:19:08
